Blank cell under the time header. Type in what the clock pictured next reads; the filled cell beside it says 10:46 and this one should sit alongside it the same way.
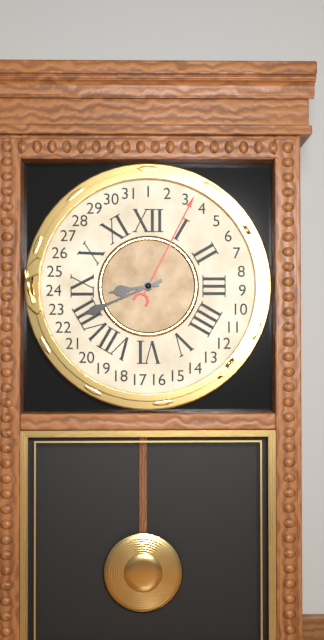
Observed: 8:41
